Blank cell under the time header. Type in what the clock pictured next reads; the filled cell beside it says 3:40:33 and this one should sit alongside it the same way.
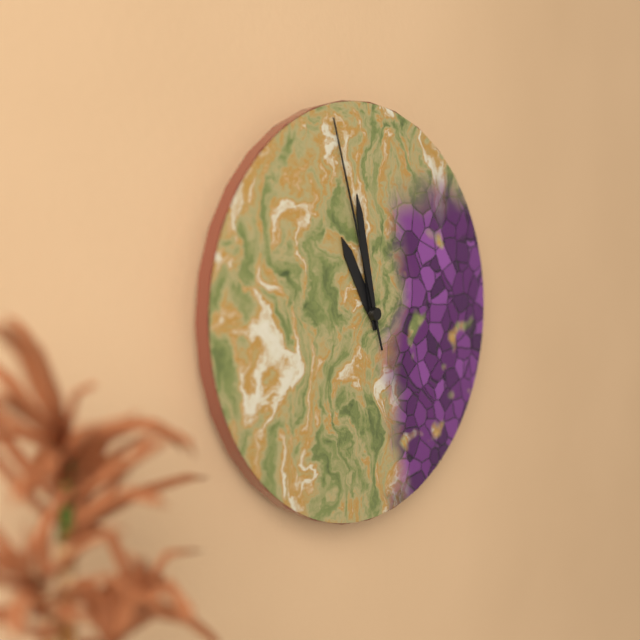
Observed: 10:58:57
